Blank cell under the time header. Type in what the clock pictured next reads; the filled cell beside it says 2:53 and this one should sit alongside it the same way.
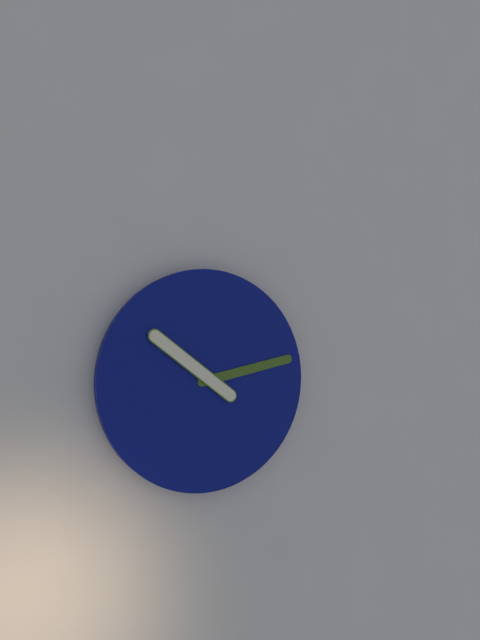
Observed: 10:13
